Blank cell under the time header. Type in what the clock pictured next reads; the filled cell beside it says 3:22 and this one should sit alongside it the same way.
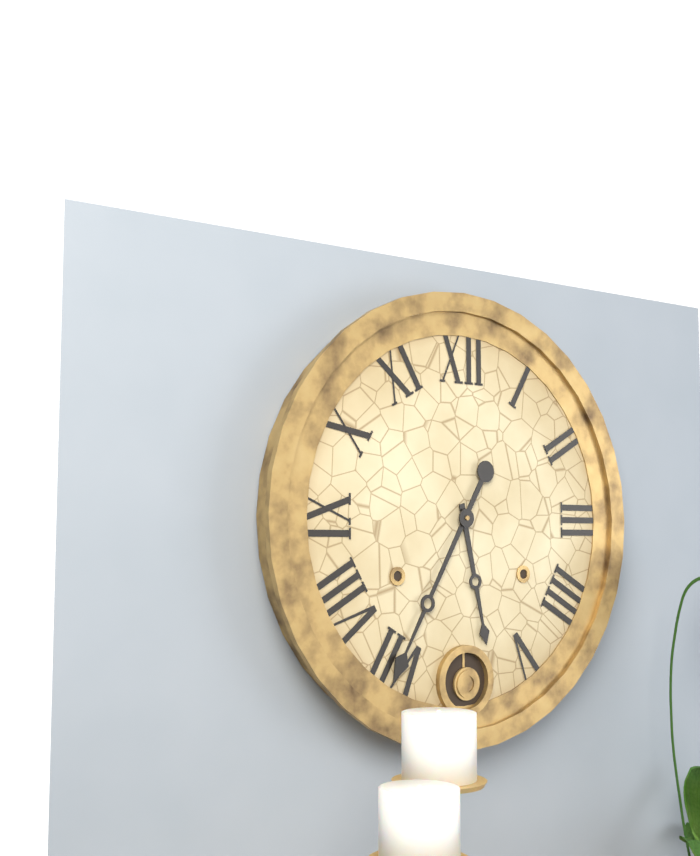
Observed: 5:35
